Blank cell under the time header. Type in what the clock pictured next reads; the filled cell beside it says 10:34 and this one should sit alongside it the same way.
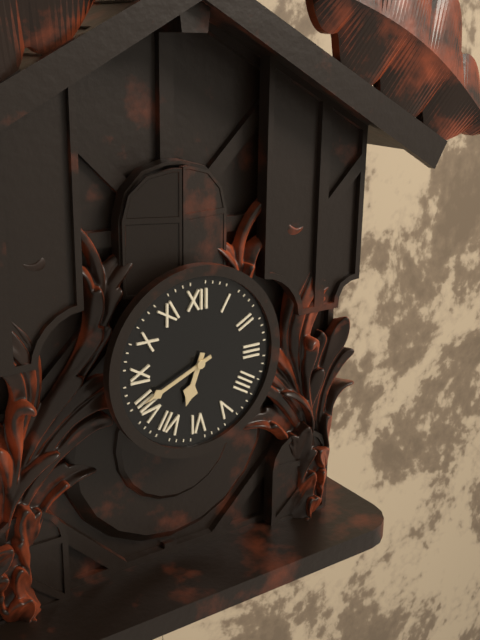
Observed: 6:41
